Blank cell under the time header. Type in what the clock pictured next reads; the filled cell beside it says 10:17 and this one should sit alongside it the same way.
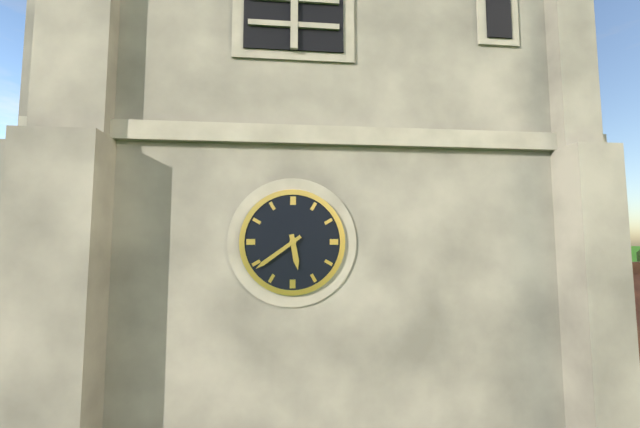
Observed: 5:39
